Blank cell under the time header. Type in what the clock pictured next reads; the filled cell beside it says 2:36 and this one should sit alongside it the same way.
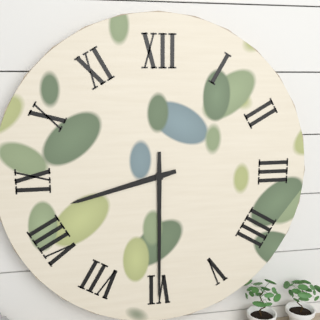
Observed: 8:30
